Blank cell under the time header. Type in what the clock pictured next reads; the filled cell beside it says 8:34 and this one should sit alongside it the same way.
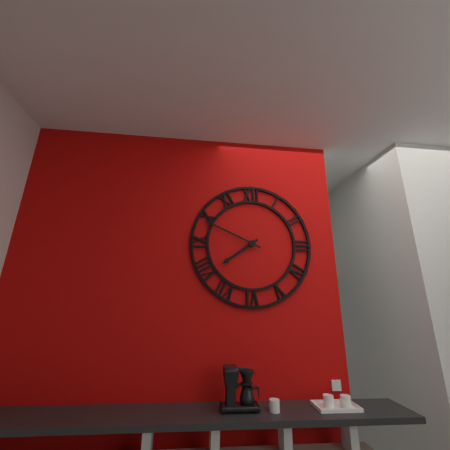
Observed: 7:49
